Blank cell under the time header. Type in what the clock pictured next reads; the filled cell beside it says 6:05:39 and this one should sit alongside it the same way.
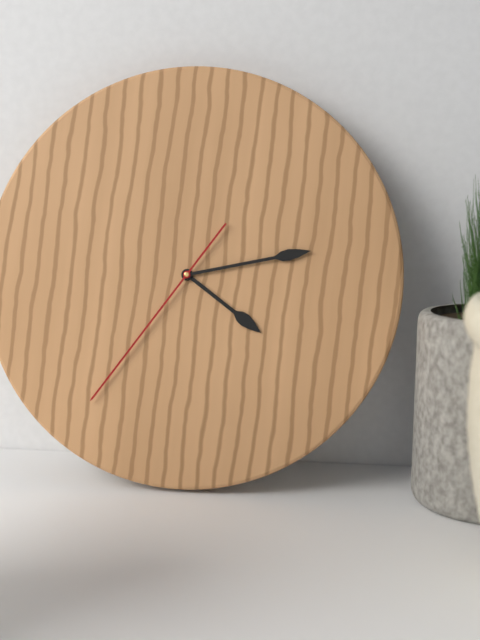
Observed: 4:13:36
